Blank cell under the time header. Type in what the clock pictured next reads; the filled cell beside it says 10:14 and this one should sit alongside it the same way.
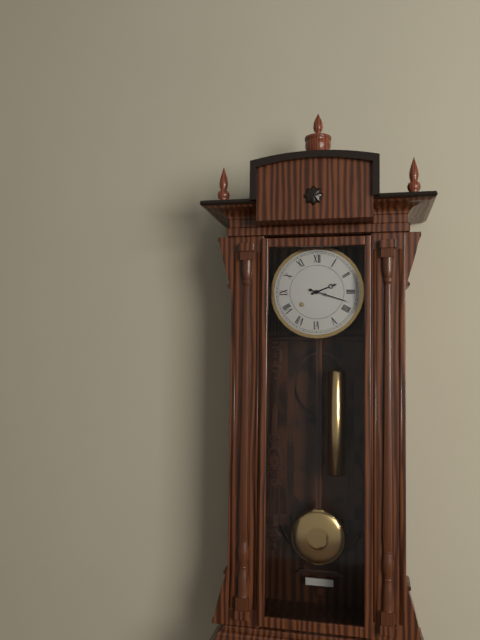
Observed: 2:18
